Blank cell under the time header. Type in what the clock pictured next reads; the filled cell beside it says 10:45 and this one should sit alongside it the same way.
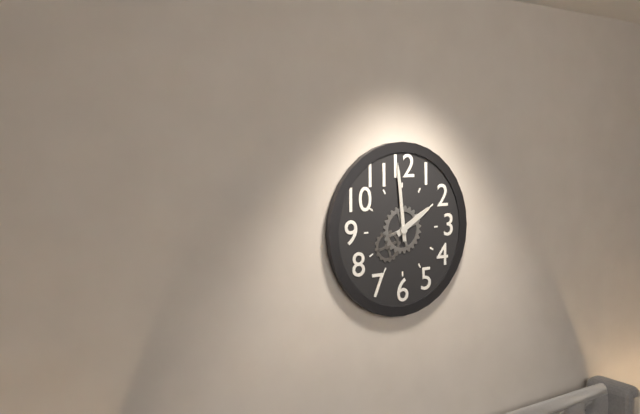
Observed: 1:59
